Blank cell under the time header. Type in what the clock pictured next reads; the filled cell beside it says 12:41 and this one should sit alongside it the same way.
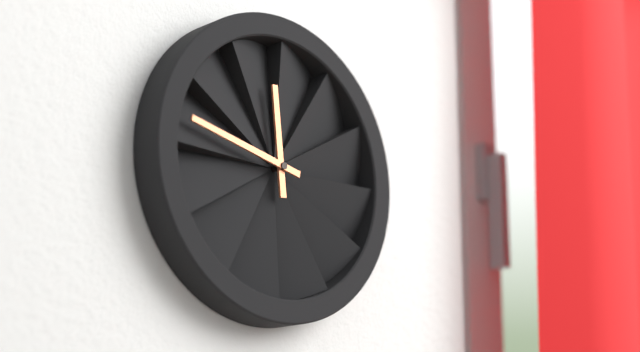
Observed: 11:47
